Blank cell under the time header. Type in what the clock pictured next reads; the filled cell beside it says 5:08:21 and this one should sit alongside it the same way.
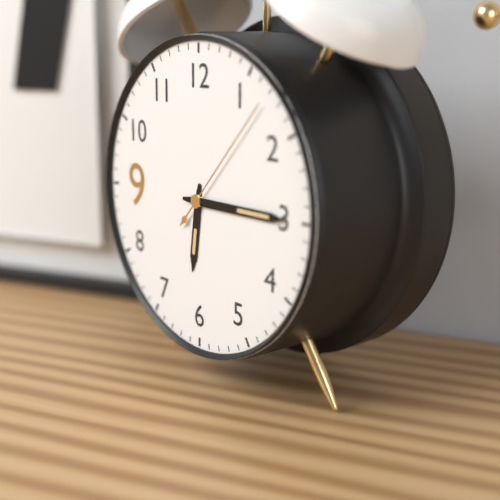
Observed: 6:15:07
